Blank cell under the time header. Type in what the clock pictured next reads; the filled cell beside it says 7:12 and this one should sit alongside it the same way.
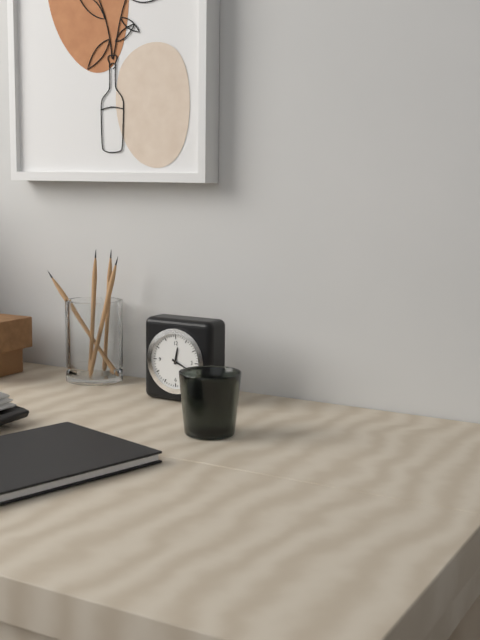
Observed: 12:19
